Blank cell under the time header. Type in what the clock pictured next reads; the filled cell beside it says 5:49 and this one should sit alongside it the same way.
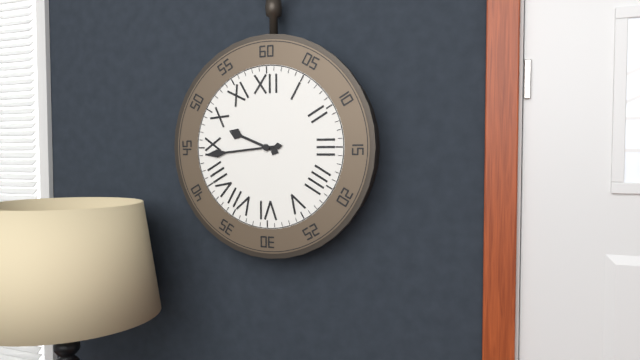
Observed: 9:44
